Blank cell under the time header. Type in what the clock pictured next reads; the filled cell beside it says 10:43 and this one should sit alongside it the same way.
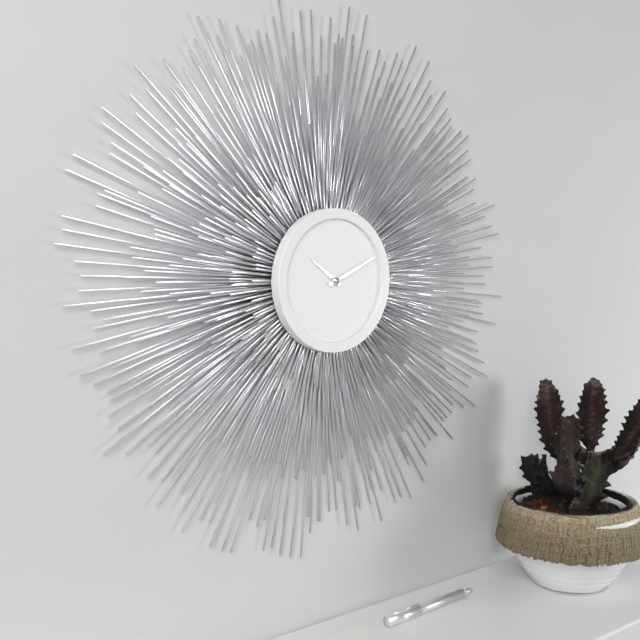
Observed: 10:11
